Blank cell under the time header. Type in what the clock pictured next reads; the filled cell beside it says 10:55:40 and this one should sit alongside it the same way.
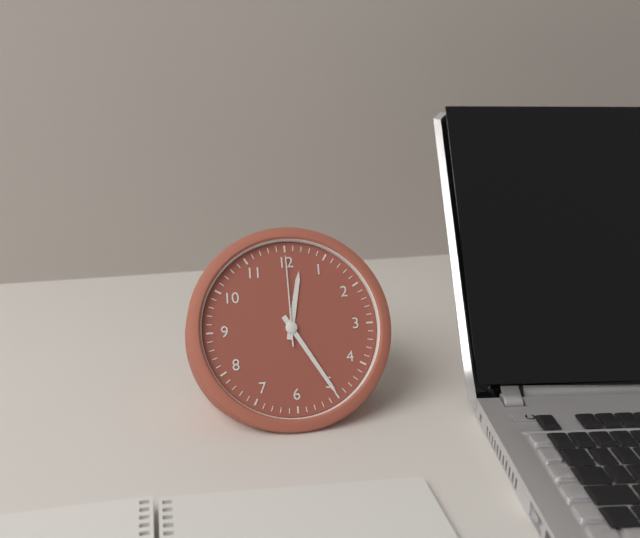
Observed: 12:25:00
